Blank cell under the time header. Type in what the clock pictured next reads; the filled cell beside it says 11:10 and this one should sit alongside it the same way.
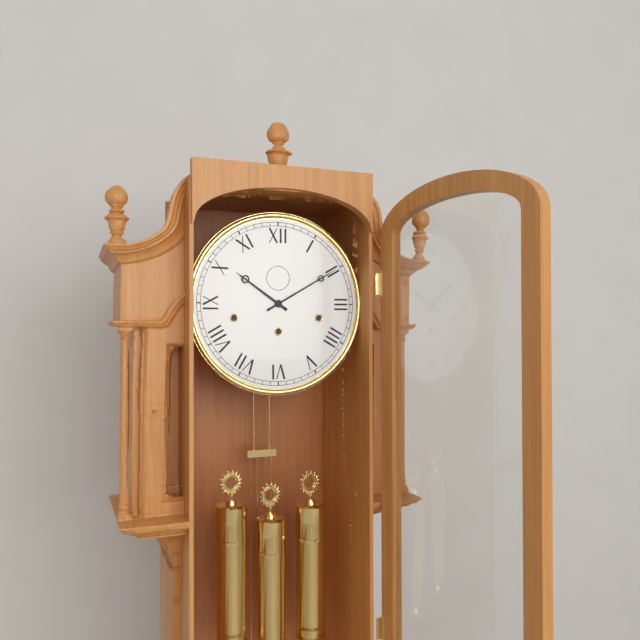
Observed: 10:10
